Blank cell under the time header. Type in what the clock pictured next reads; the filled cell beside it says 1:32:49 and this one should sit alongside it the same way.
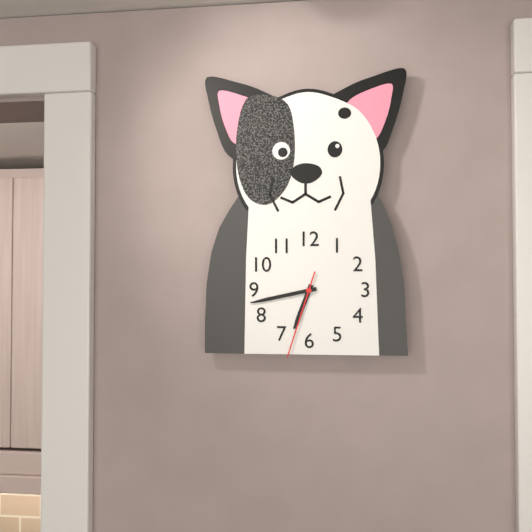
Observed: 6:43:33
